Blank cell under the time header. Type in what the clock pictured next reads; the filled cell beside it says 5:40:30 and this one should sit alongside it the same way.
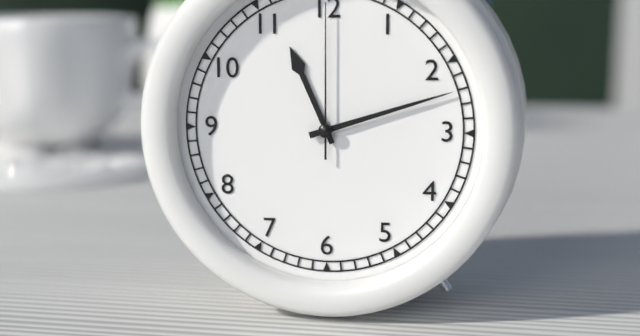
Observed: 11:12:00
